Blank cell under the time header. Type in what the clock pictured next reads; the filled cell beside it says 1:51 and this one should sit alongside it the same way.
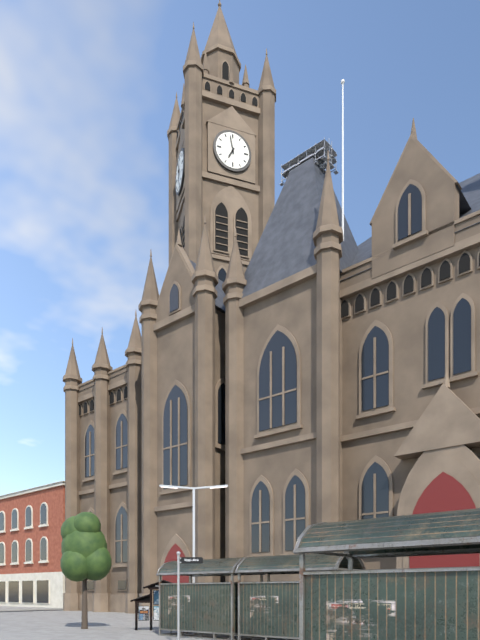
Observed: 6:58
